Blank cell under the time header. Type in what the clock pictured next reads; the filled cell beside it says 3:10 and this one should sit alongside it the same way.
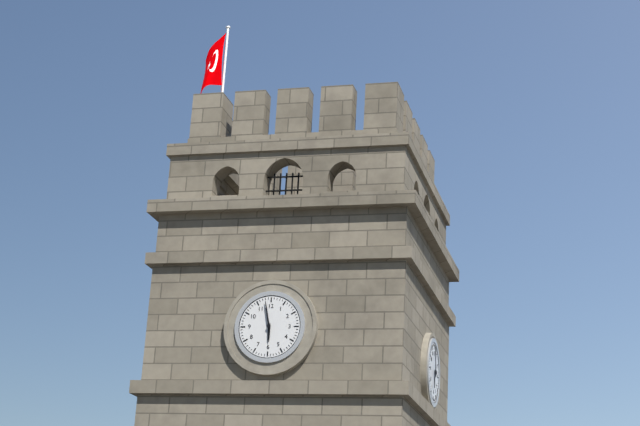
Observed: 5:58
